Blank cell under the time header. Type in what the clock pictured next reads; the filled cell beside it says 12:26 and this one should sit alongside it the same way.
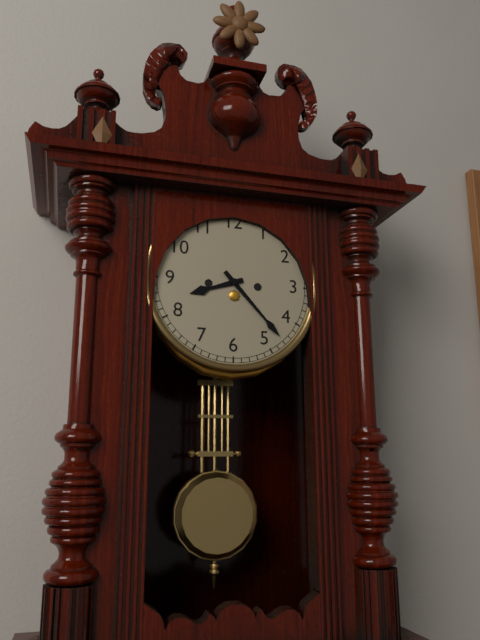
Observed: 8:23
